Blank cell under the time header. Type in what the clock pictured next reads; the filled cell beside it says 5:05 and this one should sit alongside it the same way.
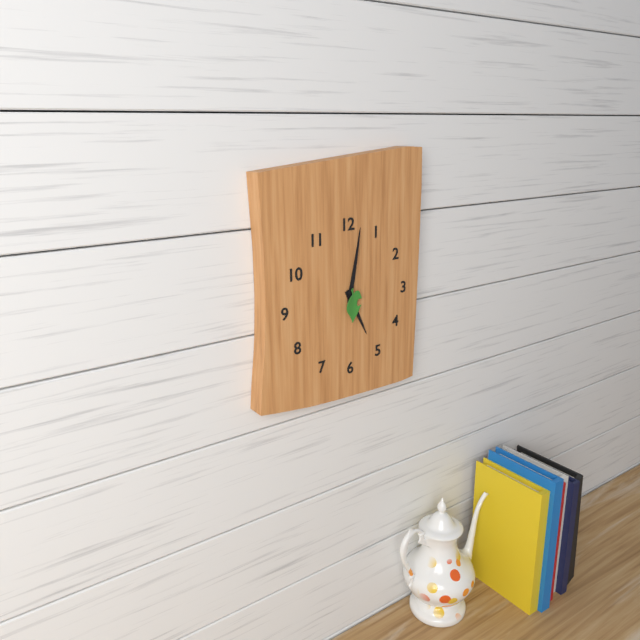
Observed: 5:02
